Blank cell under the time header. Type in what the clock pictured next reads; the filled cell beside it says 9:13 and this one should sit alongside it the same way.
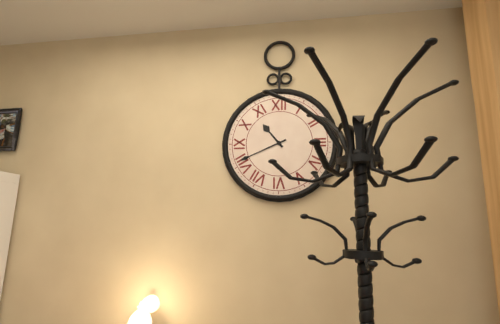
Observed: 10:41
